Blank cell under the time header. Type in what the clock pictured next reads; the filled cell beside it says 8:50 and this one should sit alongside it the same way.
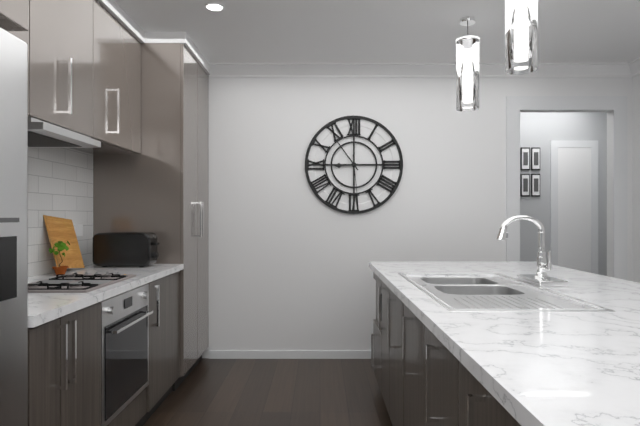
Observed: 8:54
